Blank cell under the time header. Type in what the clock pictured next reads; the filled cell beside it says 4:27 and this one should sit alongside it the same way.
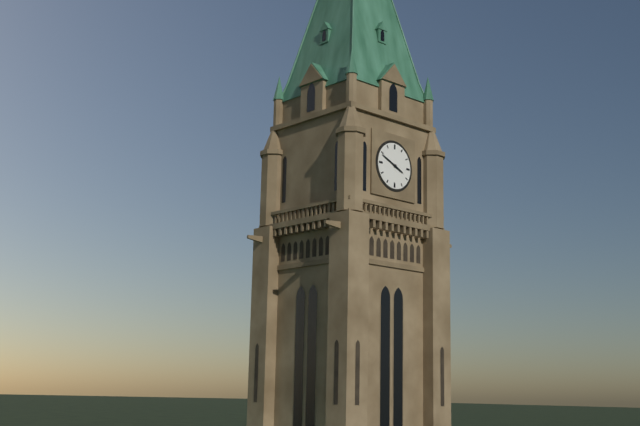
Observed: 3:49
